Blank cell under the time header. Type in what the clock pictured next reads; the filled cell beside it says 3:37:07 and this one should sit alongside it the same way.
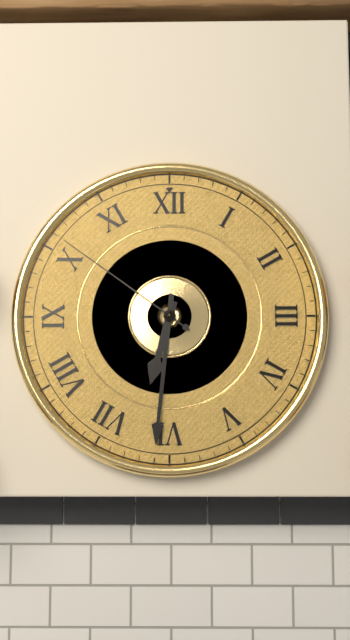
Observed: 6:31:51
